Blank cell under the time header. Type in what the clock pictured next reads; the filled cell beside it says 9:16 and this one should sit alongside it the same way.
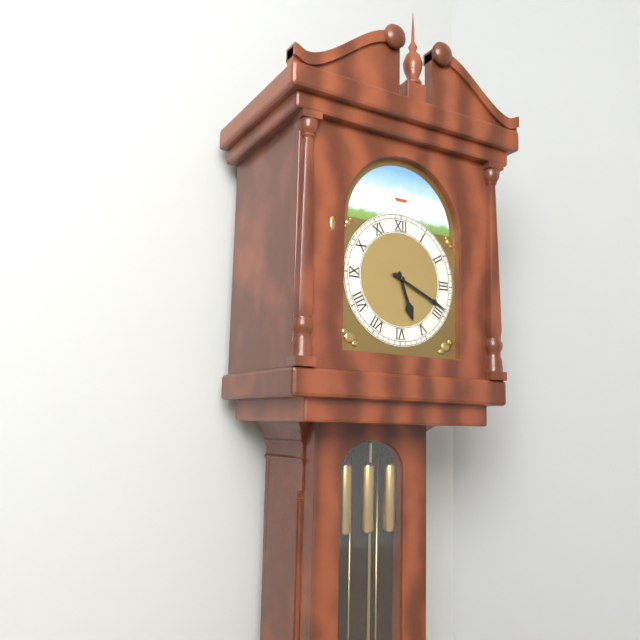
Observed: 5:19
